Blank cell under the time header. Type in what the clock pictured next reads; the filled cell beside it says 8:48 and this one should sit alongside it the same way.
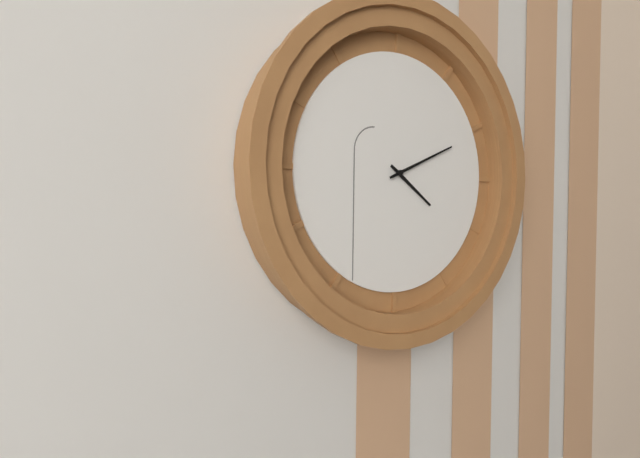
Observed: 4:11
